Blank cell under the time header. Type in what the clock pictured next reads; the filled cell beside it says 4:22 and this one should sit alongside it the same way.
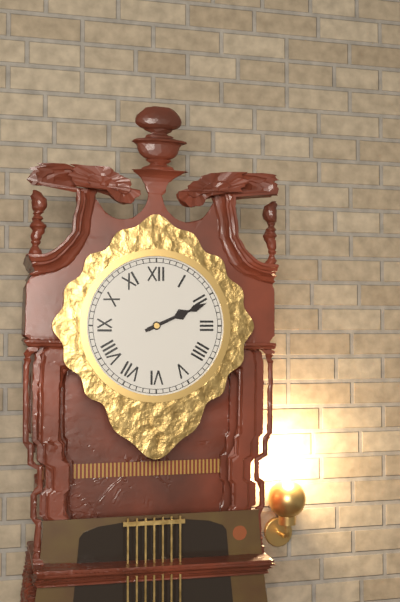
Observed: 2:11
